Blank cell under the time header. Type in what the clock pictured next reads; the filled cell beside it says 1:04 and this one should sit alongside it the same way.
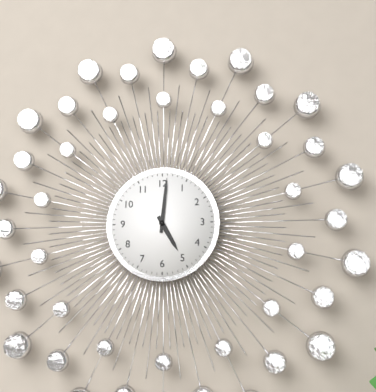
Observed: 5:01
